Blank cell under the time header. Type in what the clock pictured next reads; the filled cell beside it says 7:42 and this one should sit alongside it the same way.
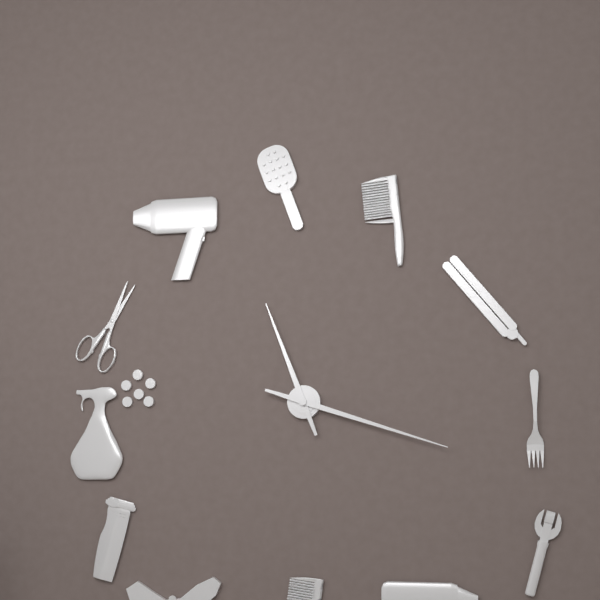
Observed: 11:18
